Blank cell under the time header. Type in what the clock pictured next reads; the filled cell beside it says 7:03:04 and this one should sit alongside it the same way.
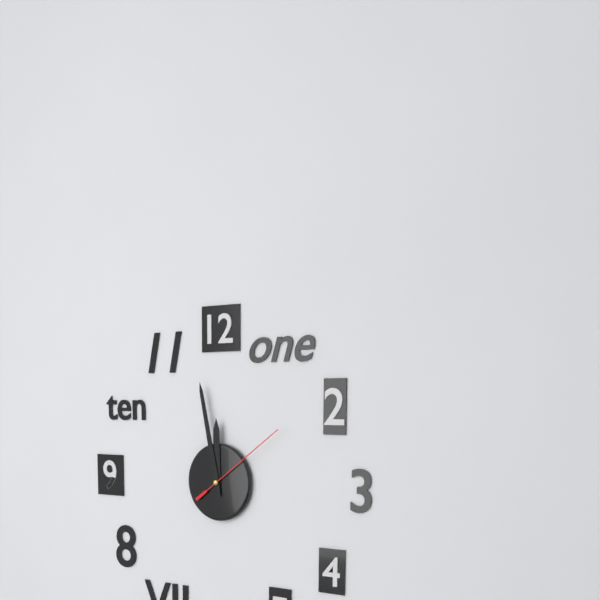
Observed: 11:58:09
